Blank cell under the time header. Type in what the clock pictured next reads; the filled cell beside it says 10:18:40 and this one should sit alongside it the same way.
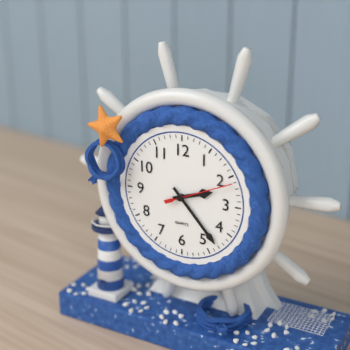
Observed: 2:23:11
